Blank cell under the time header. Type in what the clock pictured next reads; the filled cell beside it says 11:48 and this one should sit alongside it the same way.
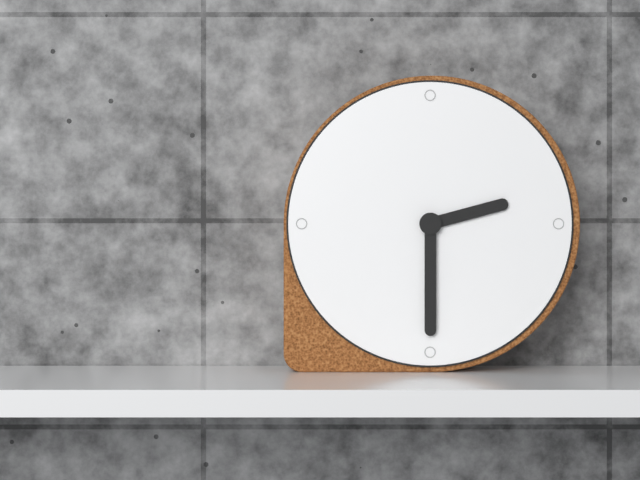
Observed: 2:30
